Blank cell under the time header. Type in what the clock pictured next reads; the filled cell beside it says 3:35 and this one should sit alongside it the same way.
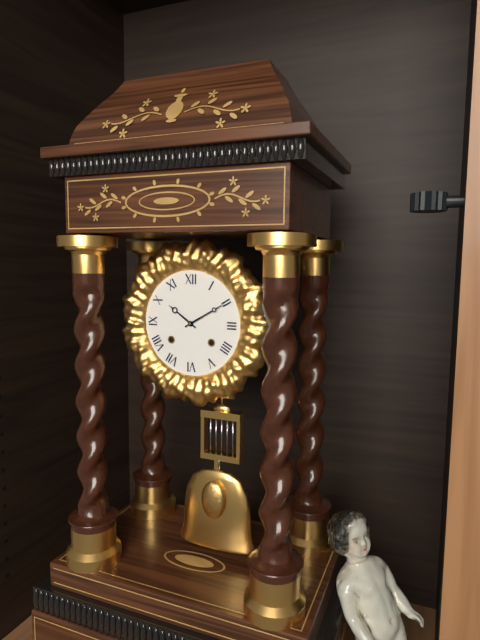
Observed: 10:10
